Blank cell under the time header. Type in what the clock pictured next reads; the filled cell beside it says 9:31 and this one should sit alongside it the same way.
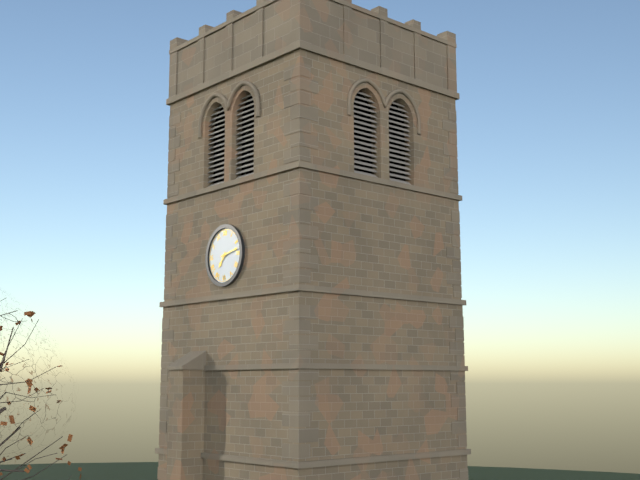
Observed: 7:13
